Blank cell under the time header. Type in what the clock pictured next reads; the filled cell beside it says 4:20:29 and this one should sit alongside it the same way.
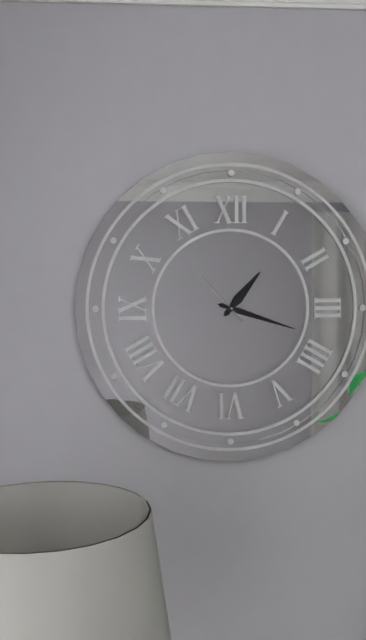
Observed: 1:18:53
